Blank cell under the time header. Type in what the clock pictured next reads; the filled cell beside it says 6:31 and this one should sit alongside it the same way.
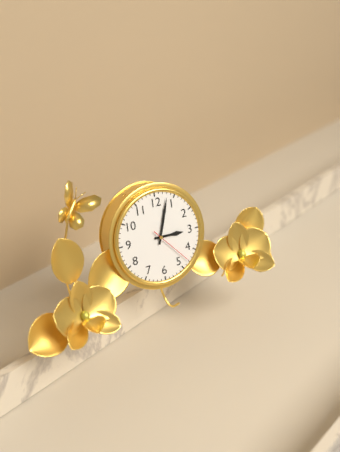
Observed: 3:03
